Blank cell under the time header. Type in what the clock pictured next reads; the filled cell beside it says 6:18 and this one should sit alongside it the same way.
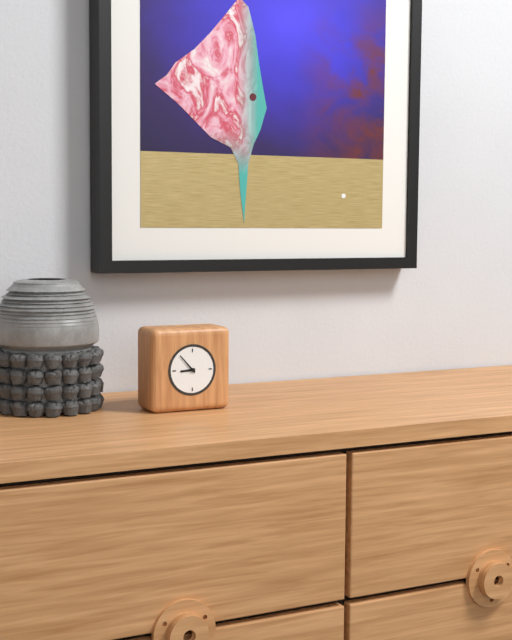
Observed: 8:53
